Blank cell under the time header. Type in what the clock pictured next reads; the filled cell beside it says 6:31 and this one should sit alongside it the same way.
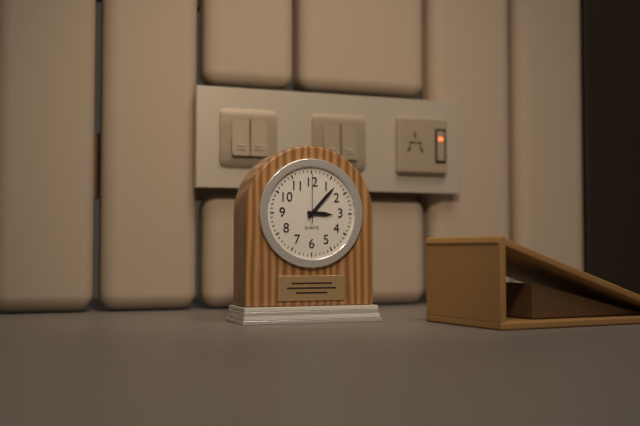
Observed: 3:07
